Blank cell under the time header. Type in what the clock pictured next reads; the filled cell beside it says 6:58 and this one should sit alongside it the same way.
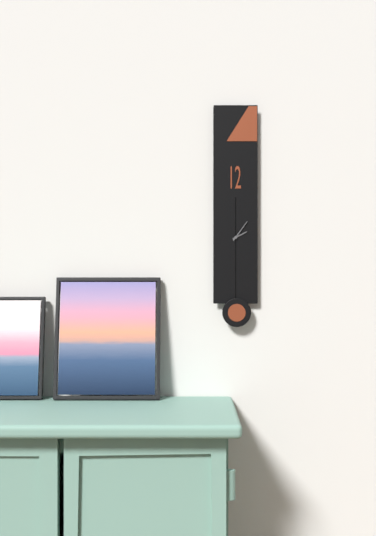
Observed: 2:06
